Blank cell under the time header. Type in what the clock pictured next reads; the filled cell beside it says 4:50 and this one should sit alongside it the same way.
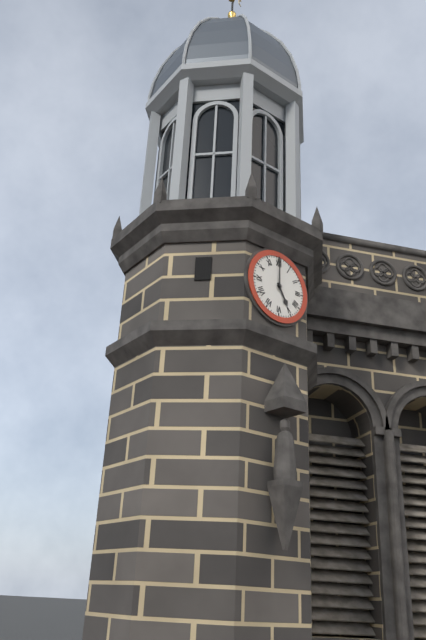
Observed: 5:00
